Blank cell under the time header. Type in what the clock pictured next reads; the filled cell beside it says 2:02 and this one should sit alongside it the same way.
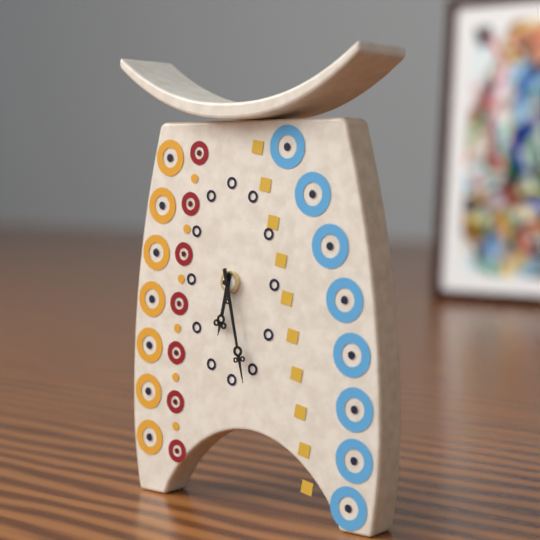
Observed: 6:28
